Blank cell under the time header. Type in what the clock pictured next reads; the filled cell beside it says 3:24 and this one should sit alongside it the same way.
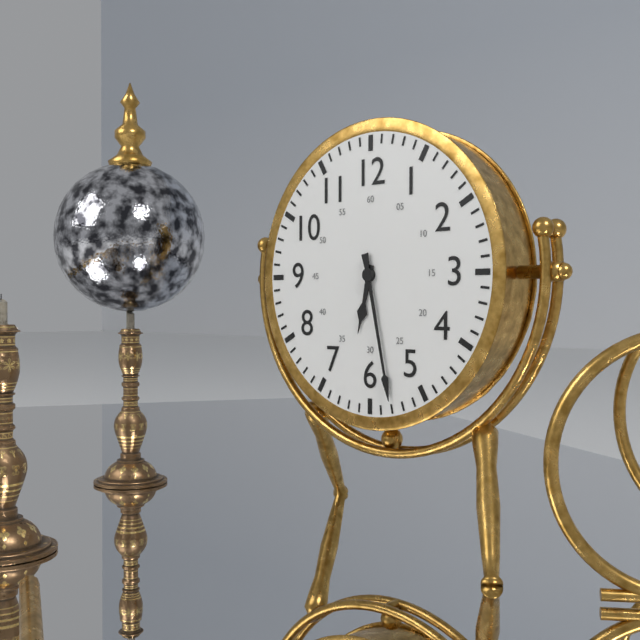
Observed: 6:28
